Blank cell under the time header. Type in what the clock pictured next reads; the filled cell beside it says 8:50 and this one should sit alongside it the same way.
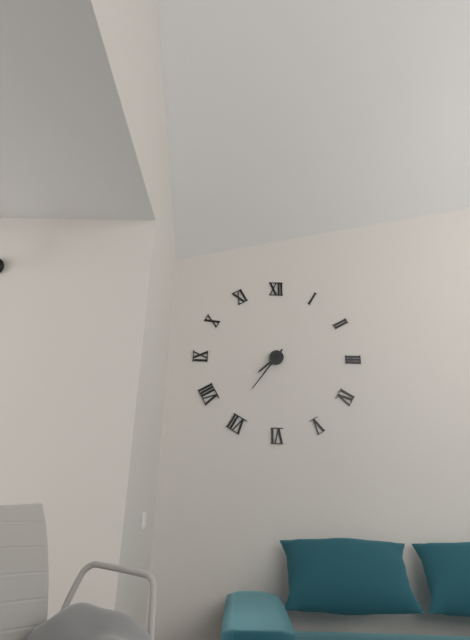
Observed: 7:36
